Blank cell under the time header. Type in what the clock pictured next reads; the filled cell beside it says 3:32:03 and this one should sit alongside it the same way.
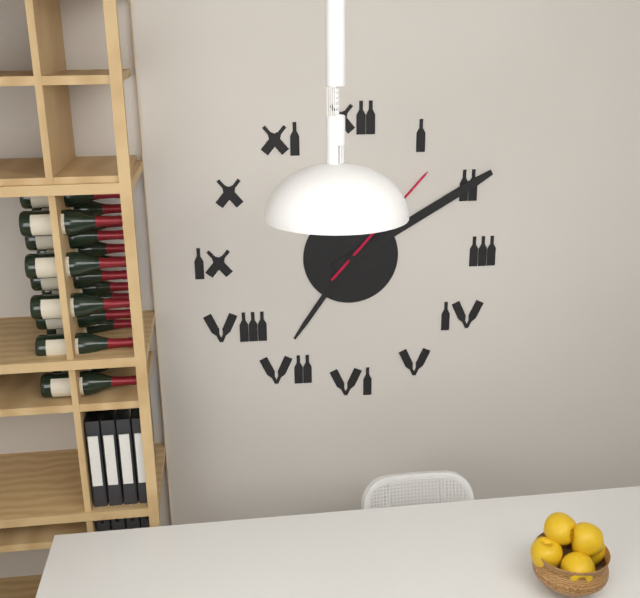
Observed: 7:10:07
